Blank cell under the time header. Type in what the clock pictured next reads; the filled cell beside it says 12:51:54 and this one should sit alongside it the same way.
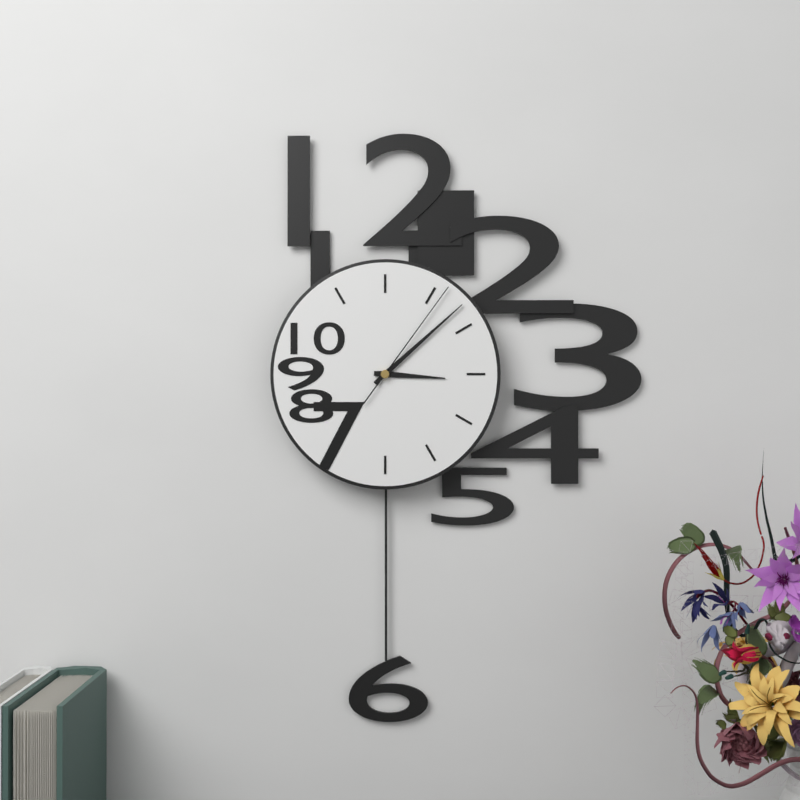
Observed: 3:08:06
